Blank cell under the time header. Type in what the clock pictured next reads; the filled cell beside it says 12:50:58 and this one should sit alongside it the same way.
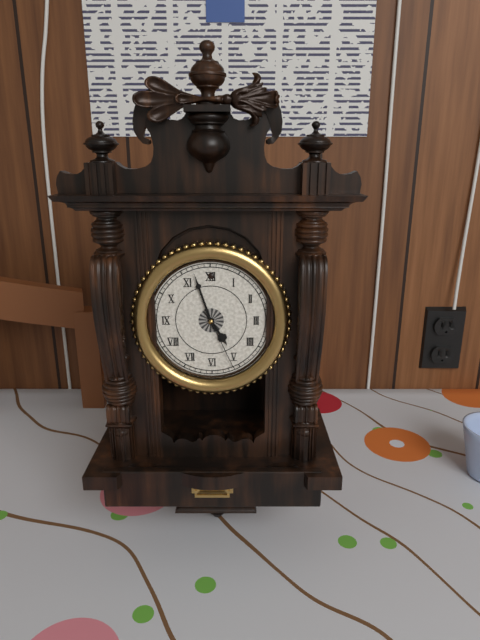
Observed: 4:57:26
